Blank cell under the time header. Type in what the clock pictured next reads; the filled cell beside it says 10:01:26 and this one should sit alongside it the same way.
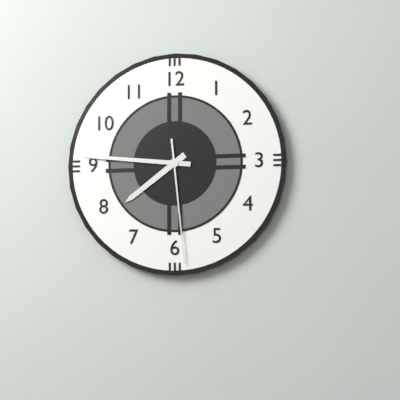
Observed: 7:46:29
